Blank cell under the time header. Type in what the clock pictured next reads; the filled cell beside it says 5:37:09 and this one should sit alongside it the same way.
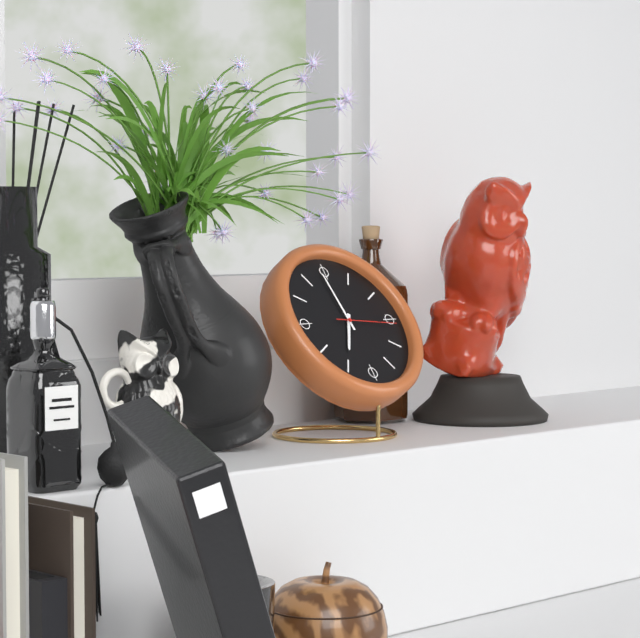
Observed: 6:59:16
